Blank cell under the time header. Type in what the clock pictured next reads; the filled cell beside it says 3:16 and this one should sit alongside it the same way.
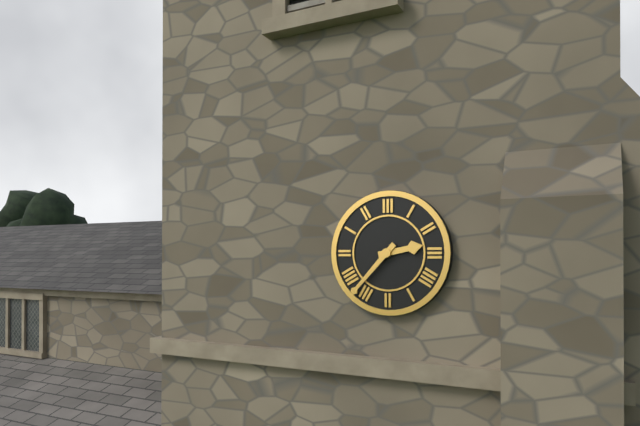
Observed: 2:37
